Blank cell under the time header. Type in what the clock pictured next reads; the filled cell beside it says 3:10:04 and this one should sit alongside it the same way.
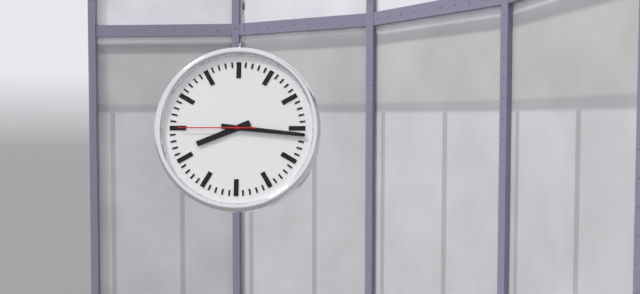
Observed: 8:16:45
